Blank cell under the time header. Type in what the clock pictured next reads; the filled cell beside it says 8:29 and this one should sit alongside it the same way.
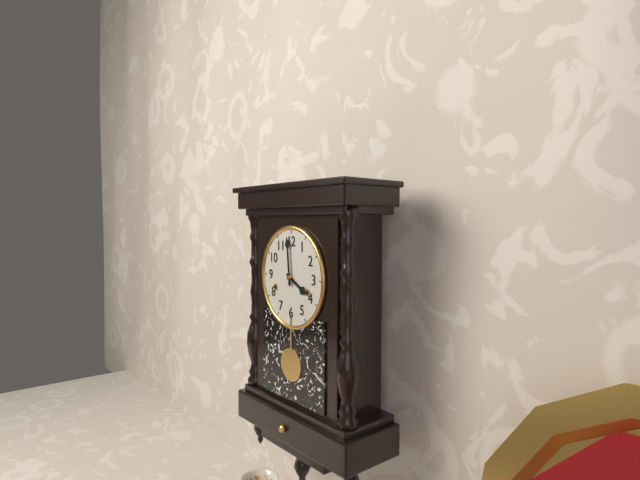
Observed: 3:59
